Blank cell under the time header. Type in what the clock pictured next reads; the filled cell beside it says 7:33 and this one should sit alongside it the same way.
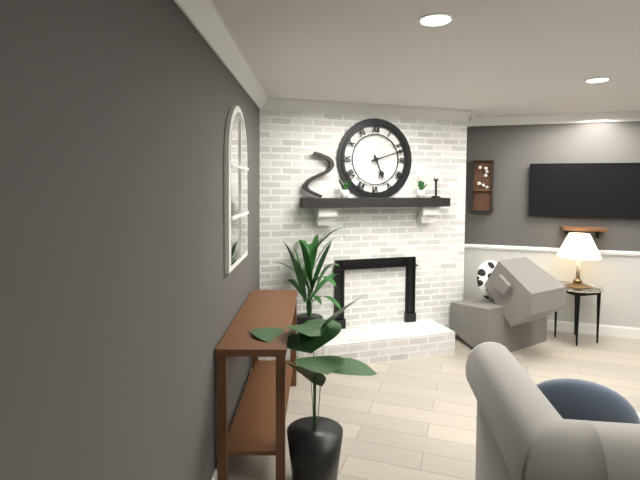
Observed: 5:12
